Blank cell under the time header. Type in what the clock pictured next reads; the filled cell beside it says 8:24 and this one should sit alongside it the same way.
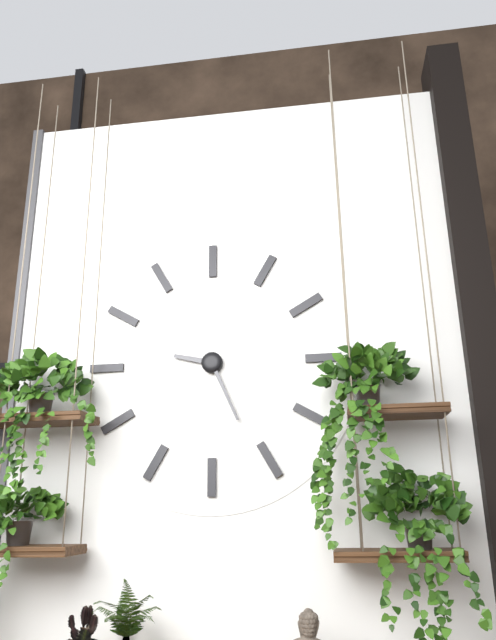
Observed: 9:26
